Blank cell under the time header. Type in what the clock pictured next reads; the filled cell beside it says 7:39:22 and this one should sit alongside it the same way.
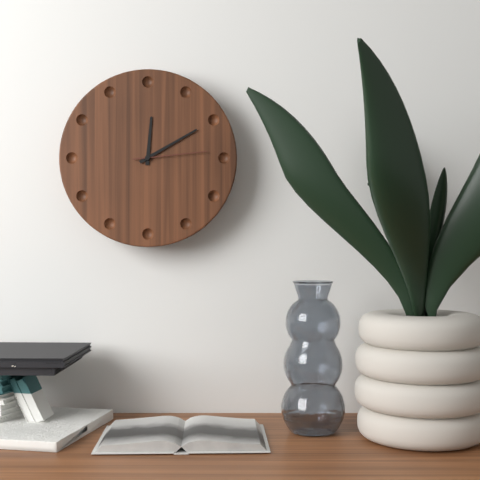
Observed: 12:10:14
